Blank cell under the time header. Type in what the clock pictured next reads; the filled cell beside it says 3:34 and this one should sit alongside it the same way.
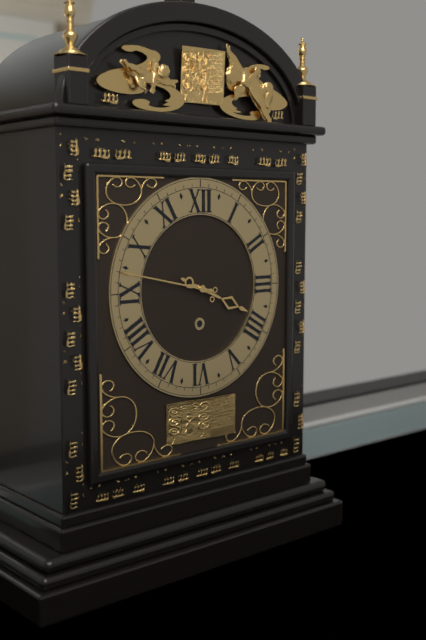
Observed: 3:47
